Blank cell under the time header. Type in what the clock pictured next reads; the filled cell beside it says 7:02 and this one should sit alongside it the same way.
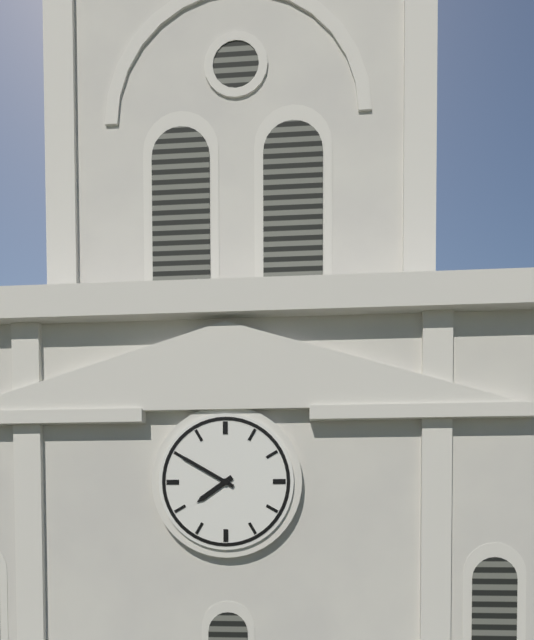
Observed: 7:50
